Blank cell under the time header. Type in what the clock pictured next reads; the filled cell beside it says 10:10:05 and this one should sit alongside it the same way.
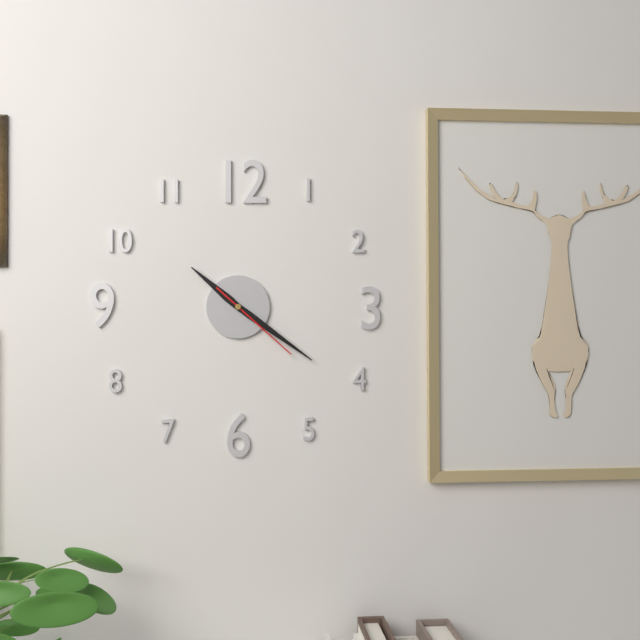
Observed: 10:21:22
